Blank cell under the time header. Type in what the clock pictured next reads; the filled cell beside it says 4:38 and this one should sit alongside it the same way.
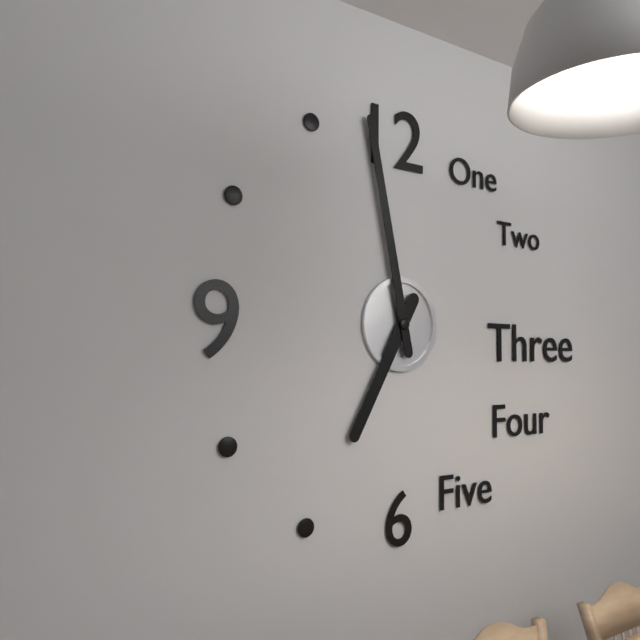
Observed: 6:58
